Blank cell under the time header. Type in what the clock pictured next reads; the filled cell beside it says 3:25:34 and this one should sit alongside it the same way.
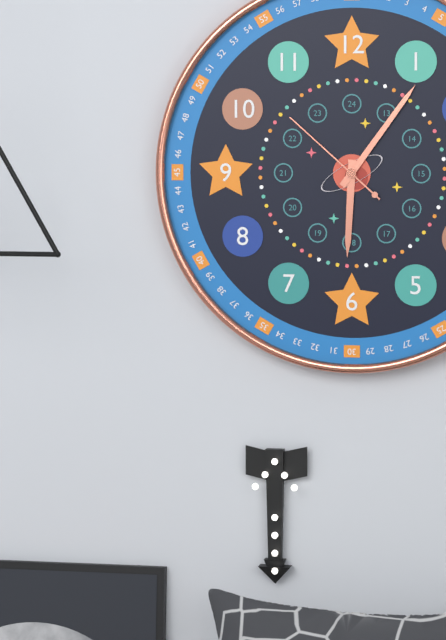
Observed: 6:06:52
